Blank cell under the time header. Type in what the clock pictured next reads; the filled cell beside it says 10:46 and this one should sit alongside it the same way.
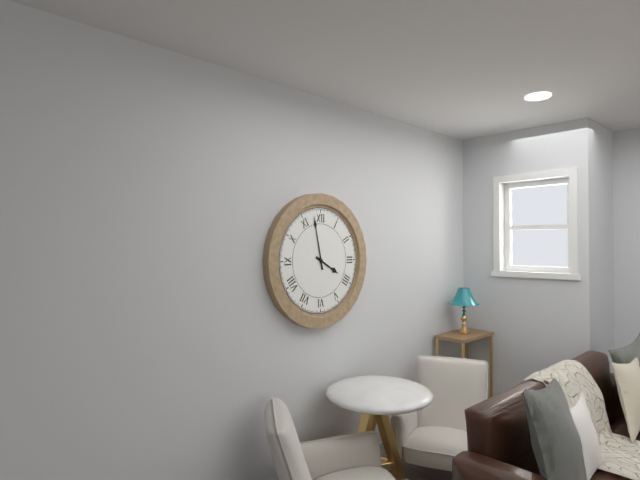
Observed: 3:58
